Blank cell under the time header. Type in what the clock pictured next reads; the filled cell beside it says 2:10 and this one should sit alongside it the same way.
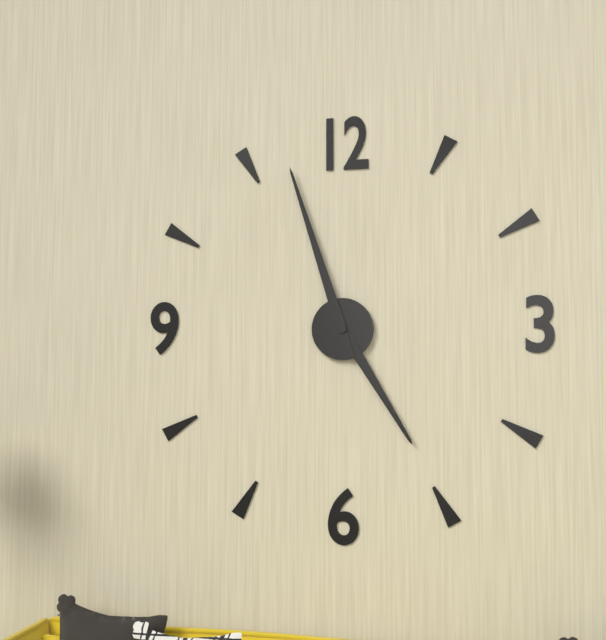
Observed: 4:57
